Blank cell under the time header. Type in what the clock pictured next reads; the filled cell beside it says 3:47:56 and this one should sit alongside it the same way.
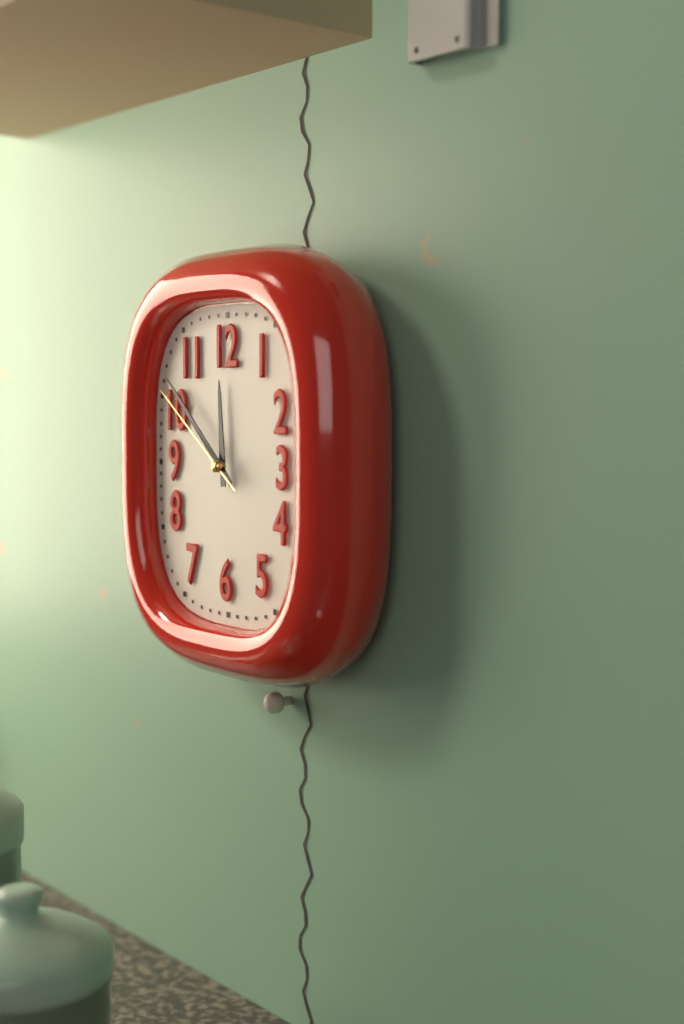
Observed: 11:52:51
